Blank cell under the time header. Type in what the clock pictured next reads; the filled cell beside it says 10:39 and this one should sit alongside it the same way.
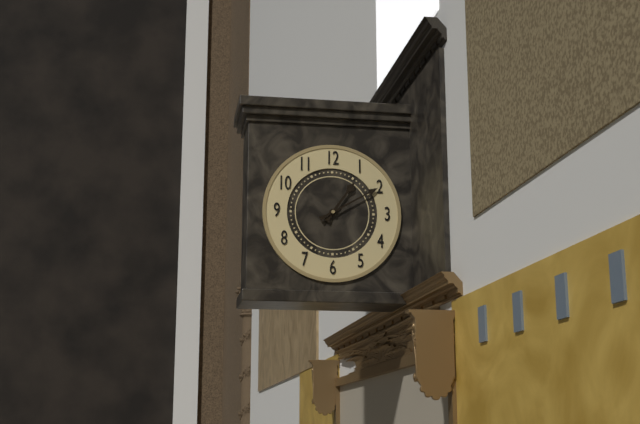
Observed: 1:10
